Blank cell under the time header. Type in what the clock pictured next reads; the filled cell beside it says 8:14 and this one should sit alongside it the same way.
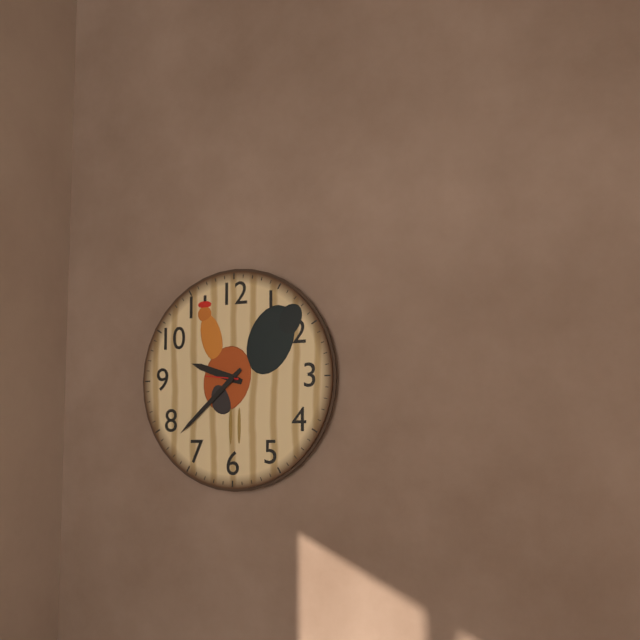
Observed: 9:38
